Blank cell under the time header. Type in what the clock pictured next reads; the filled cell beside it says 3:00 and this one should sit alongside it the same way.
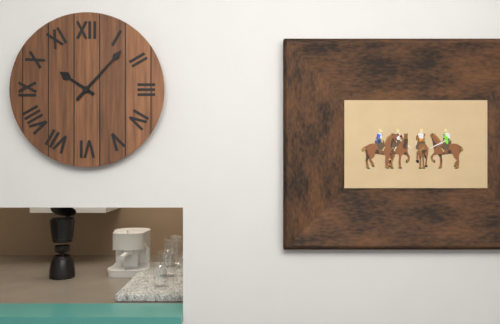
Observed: 10:07
